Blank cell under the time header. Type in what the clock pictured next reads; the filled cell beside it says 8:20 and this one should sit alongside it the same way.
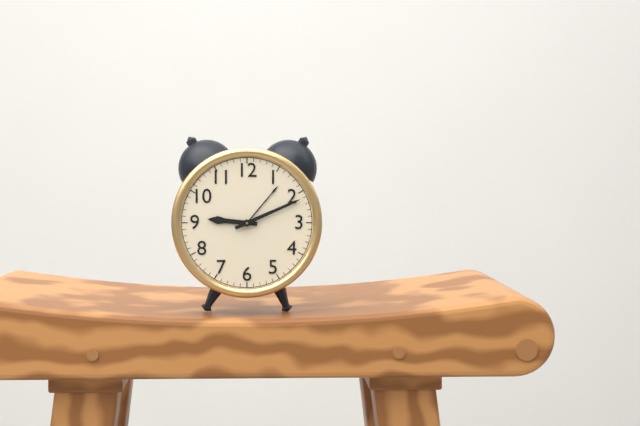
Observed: 9:11
